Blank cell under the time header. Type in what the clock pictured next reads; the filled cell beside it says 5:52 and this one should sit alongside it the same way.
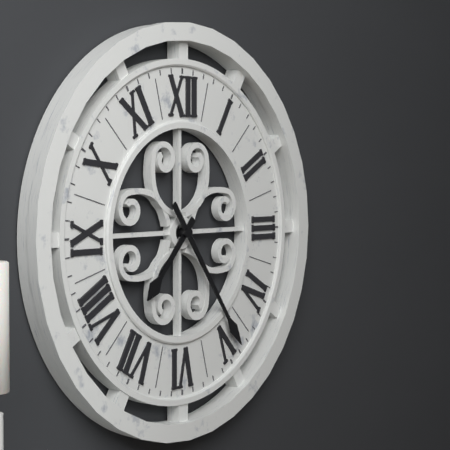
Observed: 7:24
